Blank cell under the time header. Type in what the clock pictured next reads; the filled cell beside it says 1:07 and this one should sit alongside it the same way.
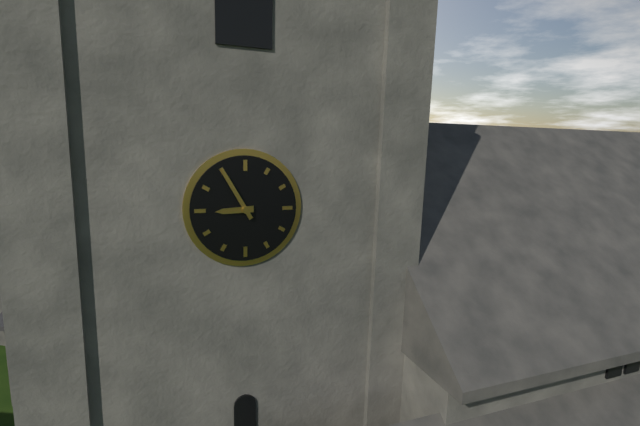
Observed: 8:55
